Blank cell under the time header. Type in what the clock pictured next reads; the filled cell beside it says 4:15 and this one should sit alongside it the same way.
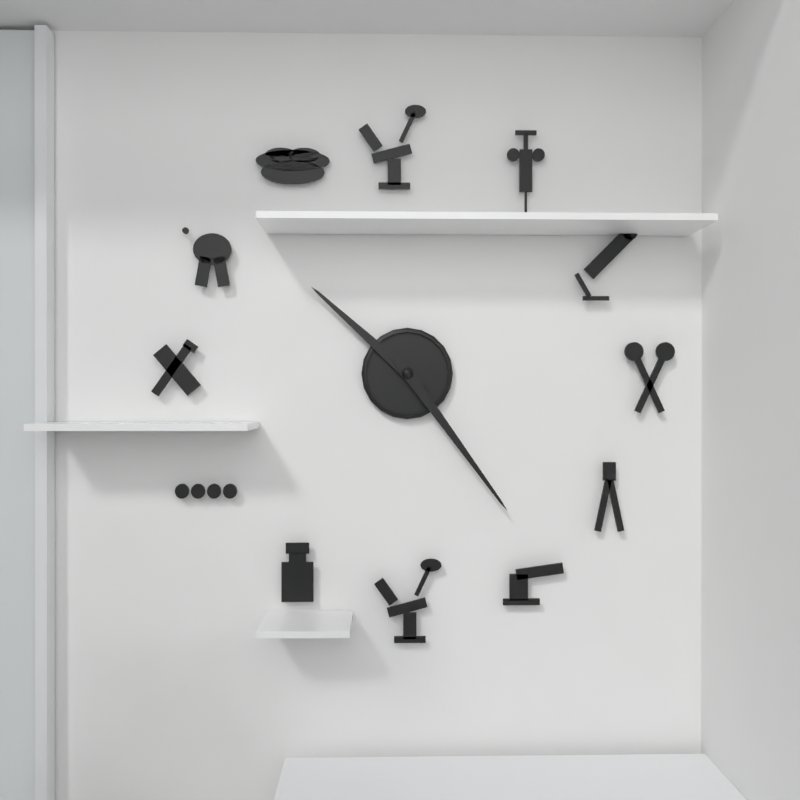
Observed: 10:24
